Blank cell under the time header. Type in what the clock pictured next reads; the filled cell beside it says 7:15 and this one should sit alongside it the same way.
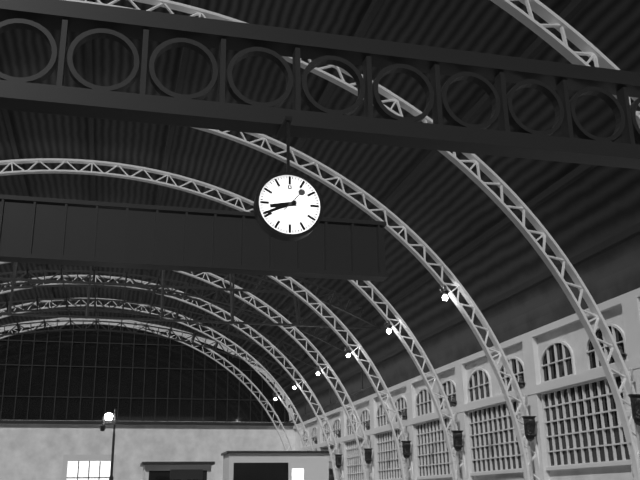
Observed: 8:41
